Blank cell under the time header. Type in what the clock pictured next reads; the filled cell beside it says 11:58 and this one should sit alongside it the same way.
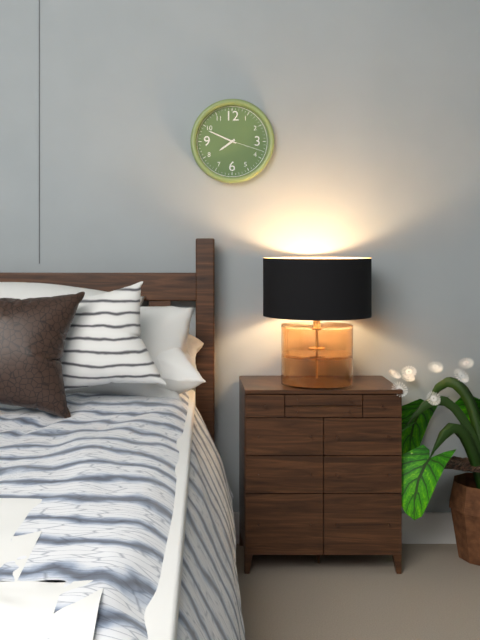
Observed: 7:49
